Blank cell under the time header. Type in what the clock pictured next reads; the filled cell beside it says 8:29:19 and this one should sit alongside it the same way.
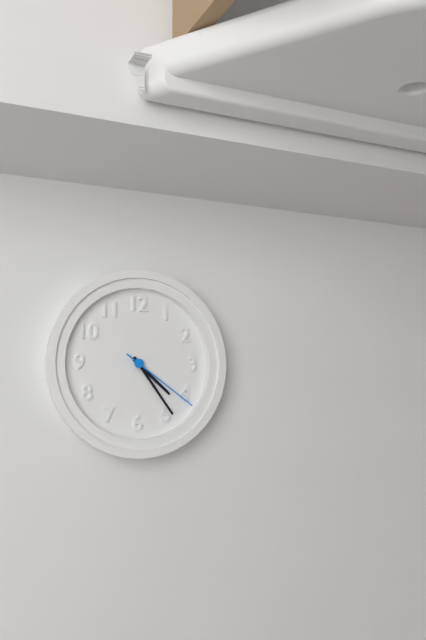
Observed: 4:24:21
